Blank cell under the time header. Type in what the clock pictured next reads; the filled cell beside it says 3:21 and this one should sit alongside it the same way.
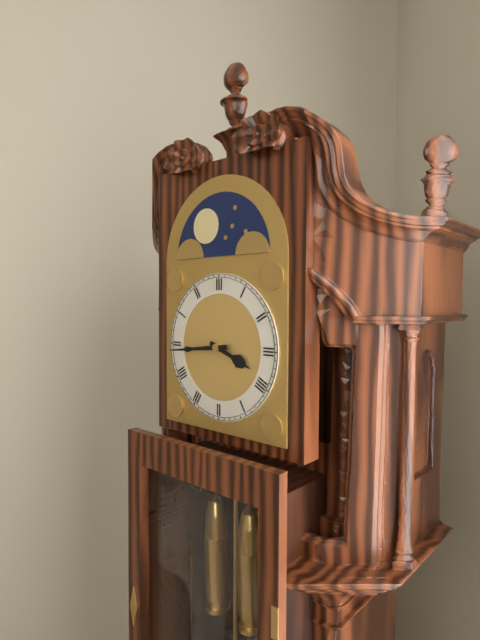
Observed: 3:44
